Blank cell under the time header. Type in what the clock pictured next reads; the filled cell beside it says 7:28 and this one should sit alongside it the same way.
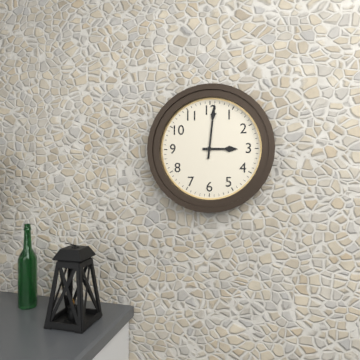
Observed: 3:01
